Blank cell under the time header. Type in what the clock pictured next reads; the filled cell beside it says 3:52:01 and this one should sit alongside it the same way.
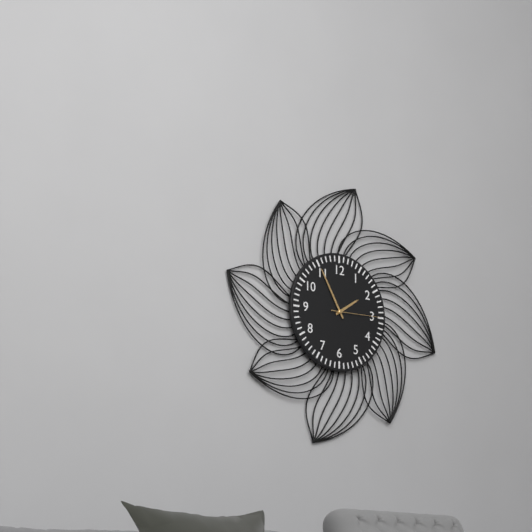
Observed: 1:55:15
